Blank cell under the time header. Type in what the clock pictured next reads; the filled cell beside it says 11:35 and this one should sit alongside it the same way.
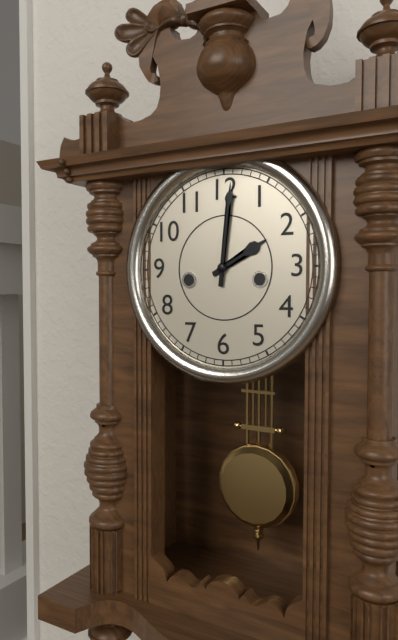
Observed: 2:01
